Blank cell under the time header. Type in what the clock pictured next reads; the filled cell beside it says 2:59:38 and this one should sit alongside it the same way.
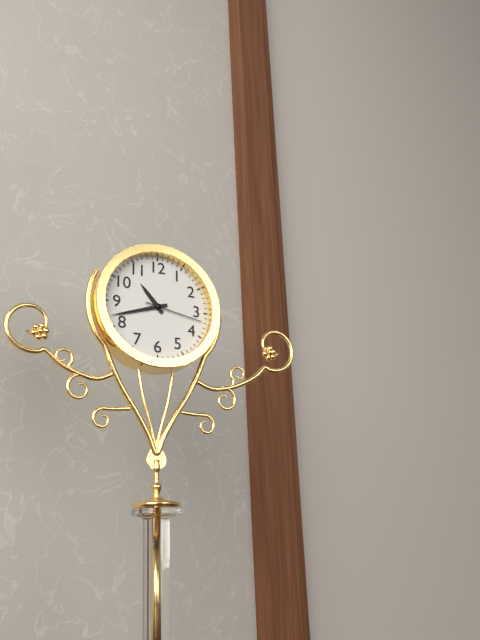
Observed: 10:42:17
